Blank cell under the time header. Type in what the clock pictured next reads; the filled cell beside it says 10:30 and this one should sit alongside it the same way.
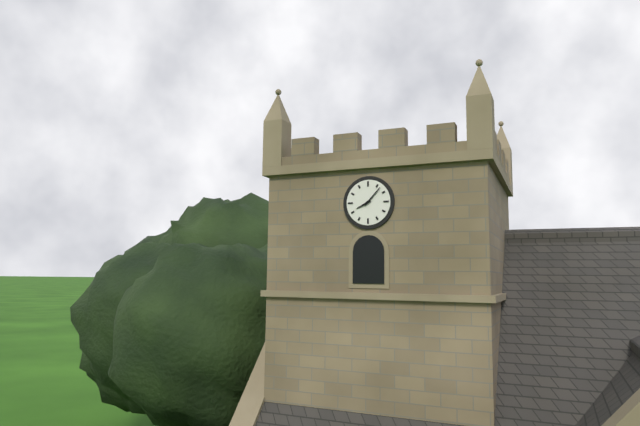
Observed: 8:07
